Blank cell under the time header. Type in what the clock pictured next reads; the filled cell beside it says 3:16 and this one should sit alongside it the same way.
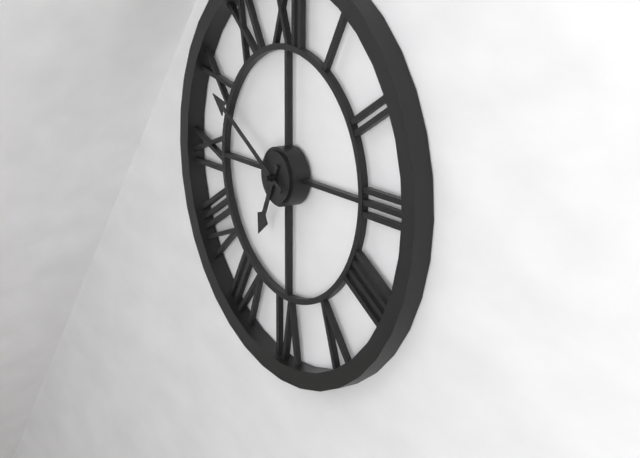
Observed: 6:50
